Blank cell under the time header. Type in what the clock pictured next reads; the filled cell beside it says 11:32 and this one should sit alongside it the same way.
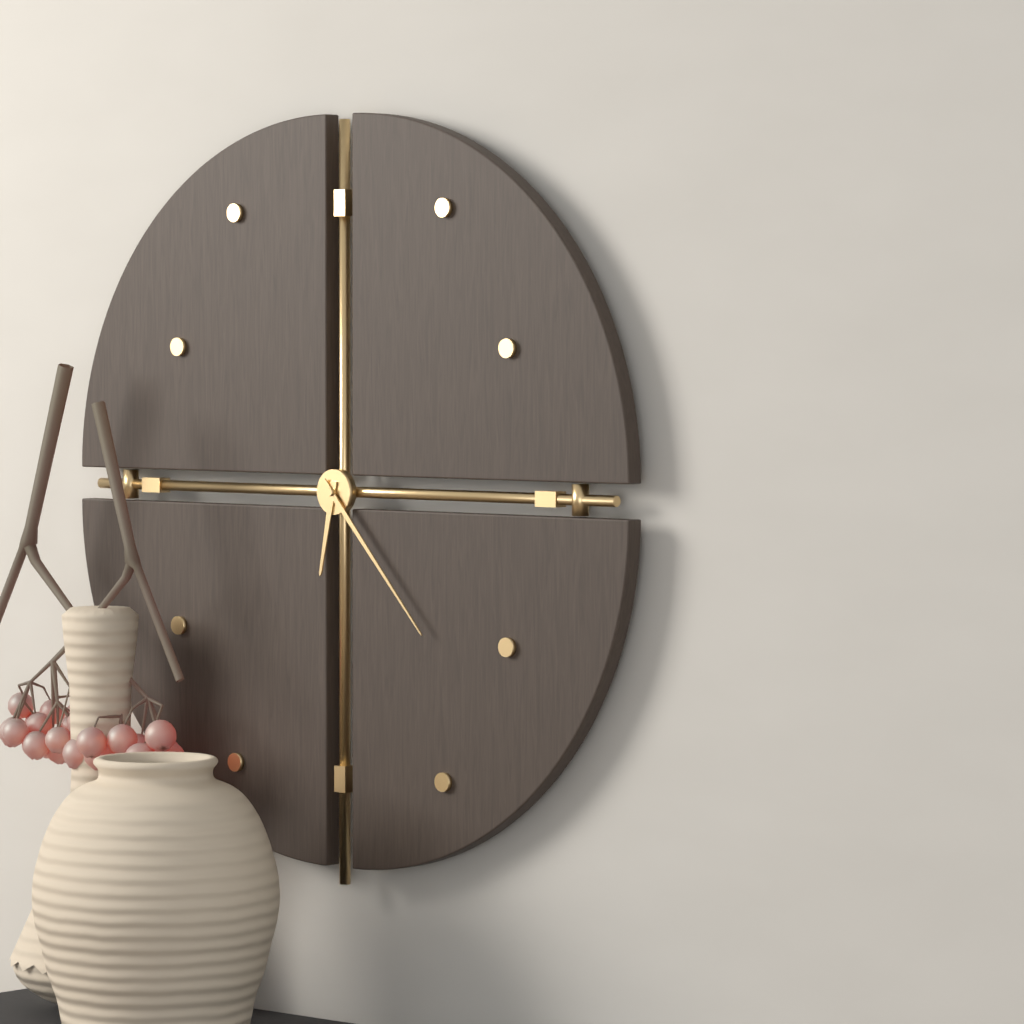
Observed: 6:23
